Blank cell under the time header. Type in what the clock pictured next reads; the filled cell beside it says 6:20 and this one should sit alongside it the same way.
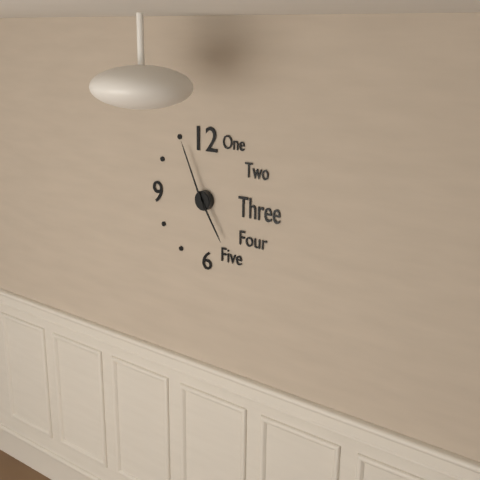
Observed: 4:56
